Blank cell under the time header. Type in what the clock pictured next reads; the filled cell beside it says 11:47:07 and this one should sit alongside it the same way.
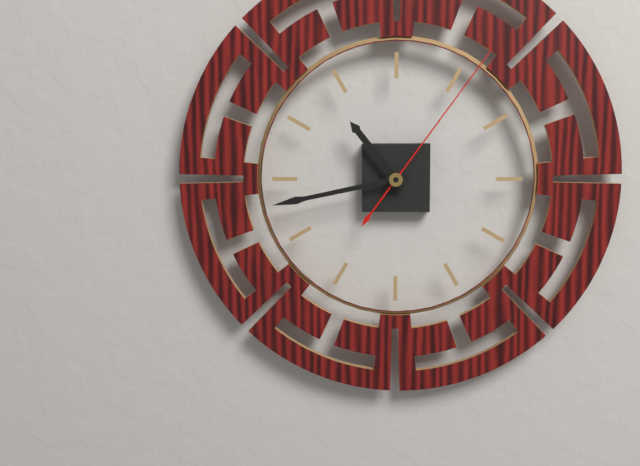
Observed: 10:43:06
